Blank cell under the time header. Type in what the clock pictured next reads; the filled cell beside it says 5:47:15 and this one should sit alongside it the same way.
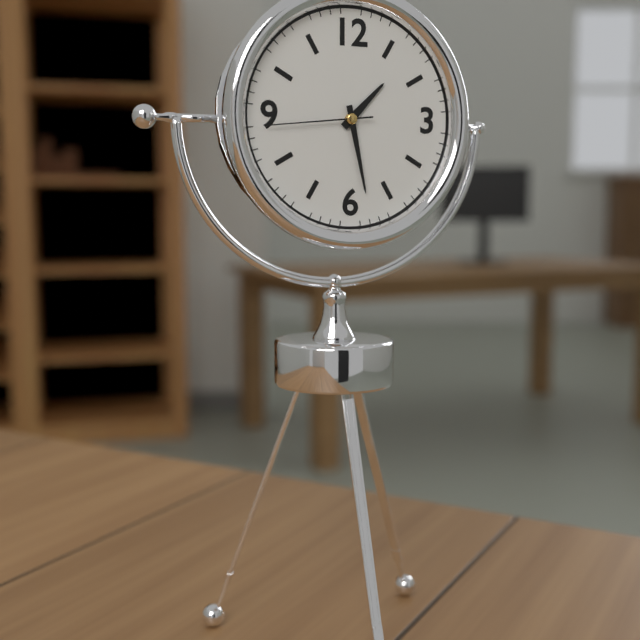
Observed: 1:28:44
